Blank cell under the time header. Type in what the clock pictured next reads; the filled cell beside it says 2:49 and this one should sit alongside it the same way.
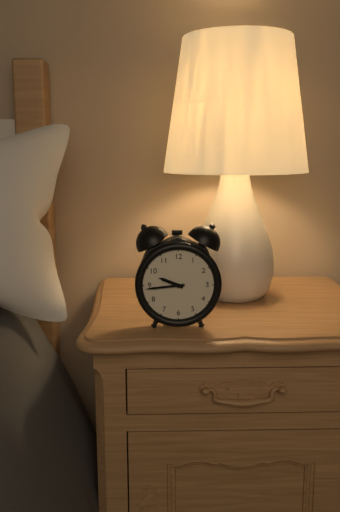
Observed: 9:44
